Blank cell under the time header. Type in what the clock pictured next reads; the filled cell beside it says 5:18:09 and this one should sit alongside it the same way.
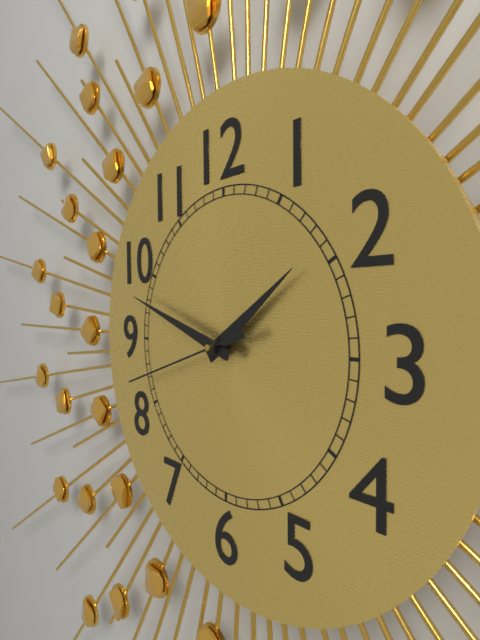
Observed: 1:48:42
